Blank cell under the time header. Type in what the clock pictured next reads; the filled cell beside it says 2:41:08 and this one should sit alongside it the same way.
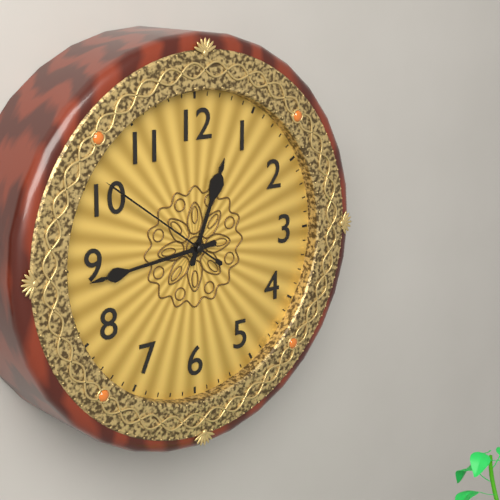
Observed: 12:44:51
